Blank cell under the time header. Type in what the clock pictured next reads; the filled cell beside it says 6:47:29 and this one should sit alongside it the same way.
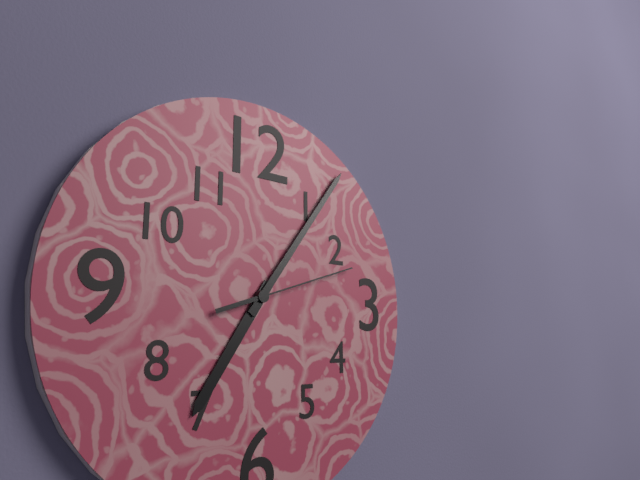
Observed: 7:06:12
